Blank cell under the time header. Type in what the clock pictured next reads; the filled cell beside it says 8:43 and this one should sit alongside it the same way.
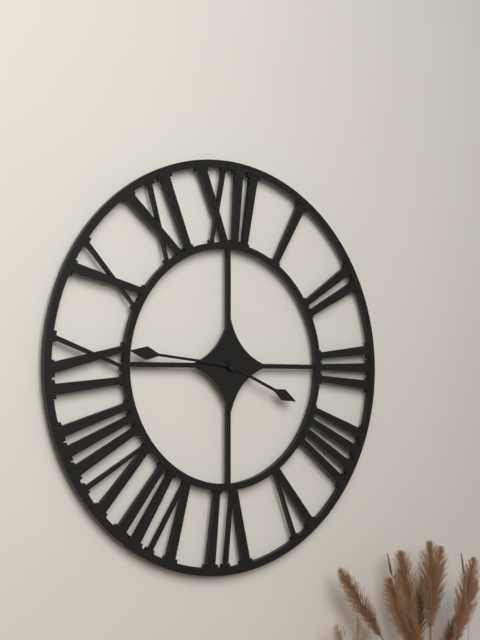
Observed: 3:46
